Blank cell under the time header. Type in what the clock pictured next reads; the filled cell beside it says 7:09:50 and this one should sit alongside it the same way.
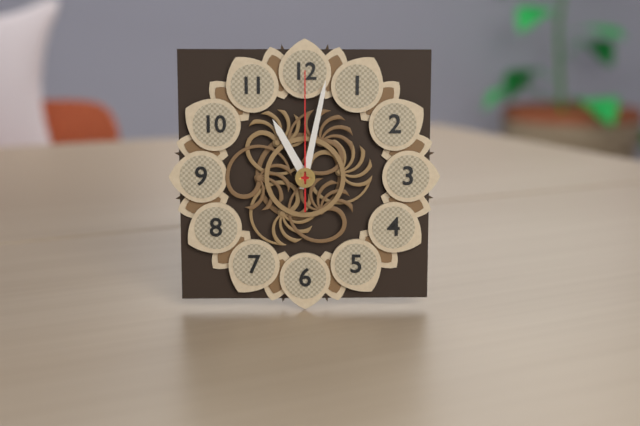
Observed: 11:02:00
